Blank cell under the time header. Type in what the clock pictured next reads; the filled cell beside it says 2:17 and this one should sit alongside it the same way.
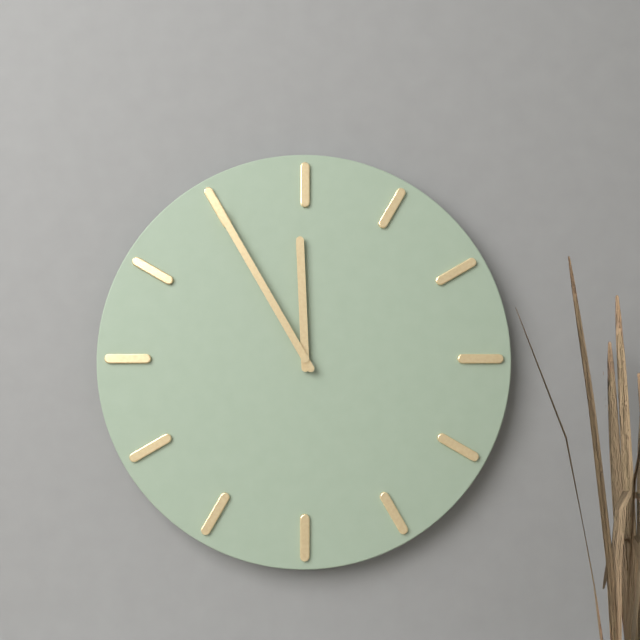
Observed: 11:55
